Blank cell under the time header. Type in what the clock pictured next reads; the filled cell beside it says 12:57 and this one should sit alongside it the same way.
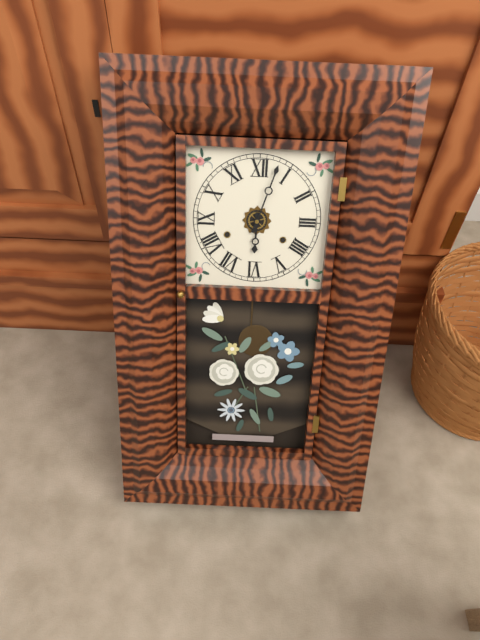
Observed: 6:03
